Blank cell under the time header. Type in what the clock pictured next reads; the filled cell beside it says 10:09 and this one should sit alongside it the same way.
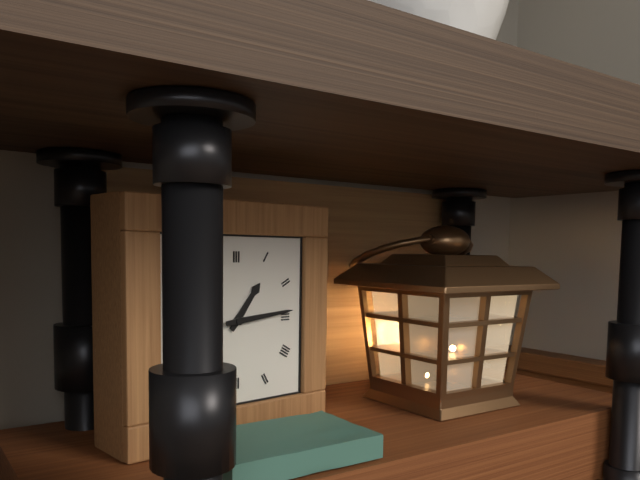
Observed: 1:14
